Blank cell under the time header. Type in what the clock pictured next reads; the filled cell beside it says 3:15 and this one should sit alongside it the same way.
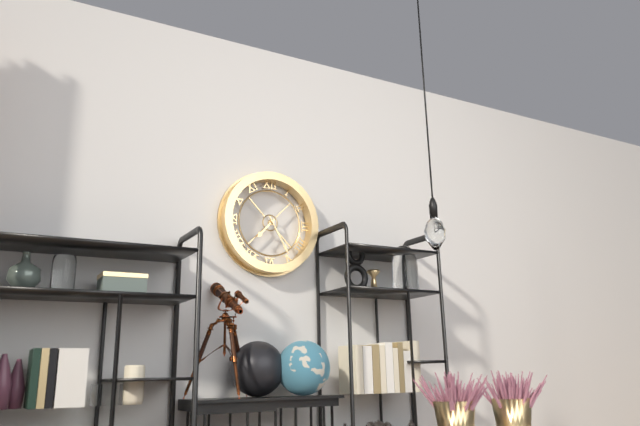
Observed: 7:25
